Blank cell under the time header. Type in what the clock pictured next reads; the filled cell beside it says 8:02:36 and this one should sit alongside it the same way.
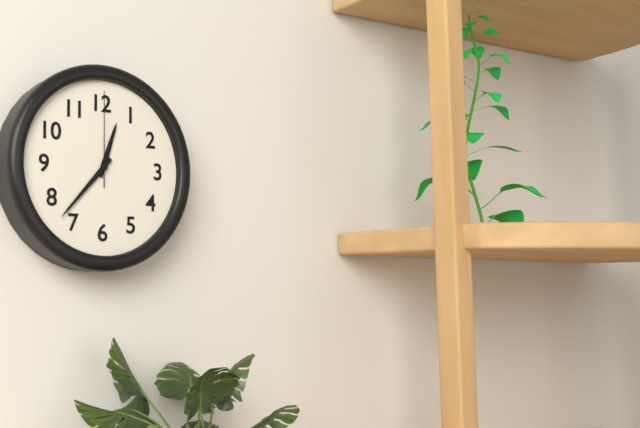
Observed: 12:37:00
